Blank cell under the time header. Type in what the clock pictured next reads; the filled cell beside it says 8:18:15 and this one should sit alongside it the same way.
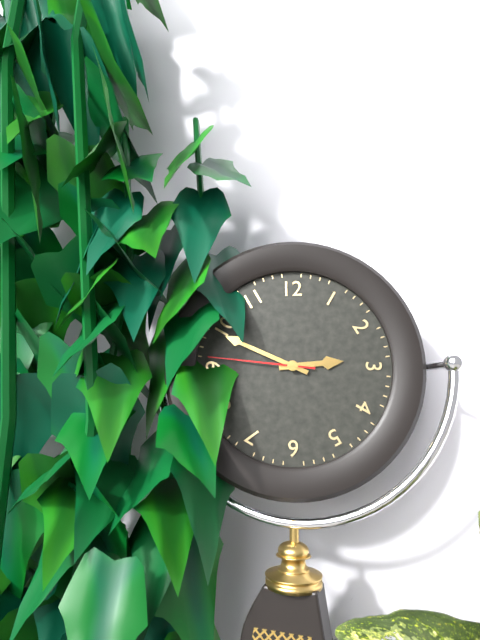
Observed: 2:49:46
